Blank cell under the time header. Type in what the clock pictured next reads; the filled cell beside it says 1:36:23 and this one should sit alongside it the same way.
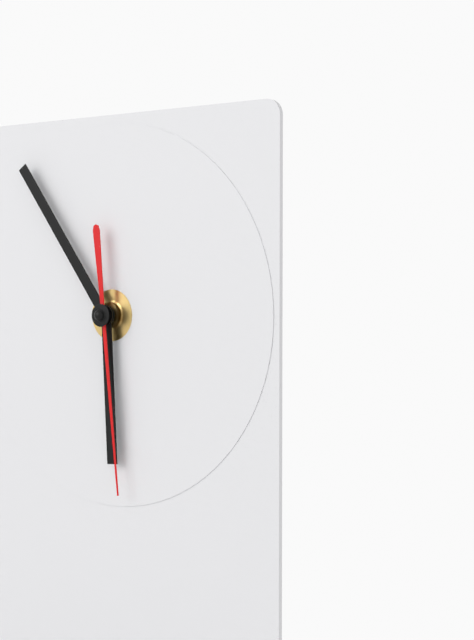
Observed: 5:54:29
